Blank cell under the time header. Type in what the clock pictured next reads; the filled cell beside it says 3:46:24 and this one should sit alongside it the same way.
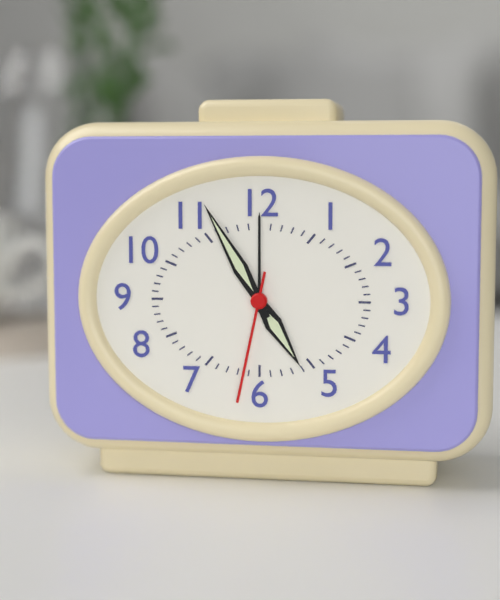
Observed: 4:55:32
